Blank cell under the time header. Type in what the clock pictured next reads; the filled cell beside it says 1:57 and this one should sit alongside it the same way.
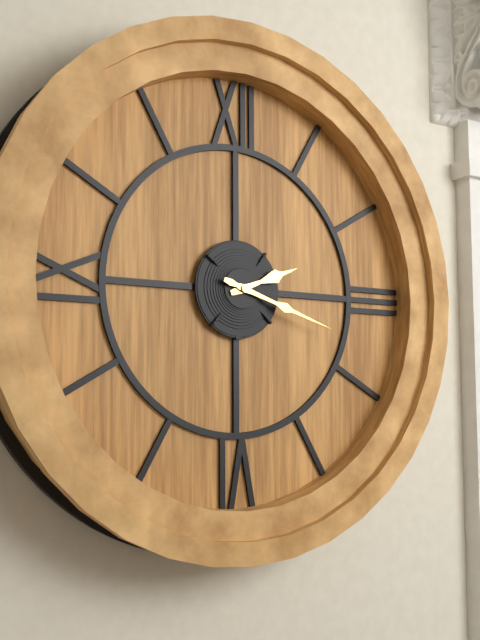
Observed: 2:18
